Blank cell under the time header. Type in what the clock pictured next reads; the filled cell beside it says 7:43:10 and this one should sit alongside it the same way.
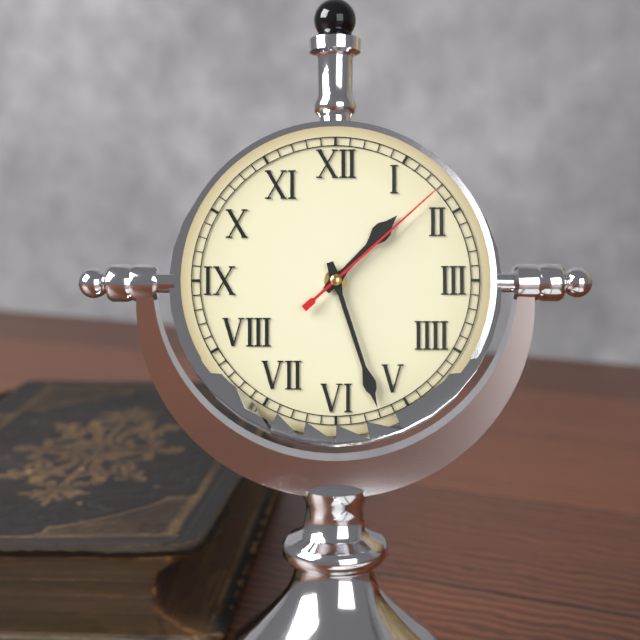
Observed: 1:27:08
